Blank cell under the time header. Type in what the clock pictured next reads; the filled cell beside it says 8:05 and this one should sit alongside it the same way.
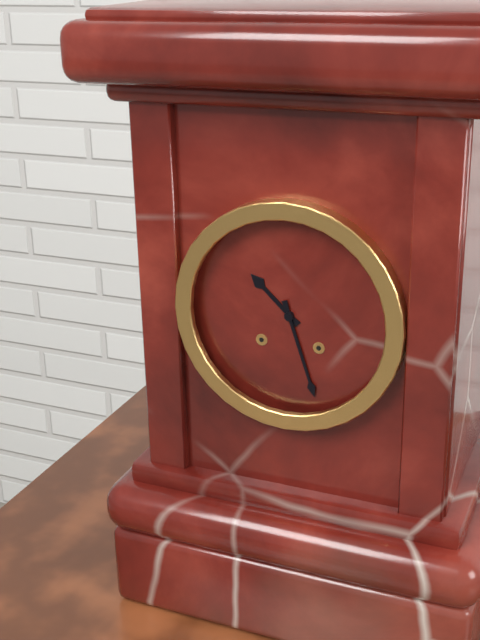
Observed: 10:27
